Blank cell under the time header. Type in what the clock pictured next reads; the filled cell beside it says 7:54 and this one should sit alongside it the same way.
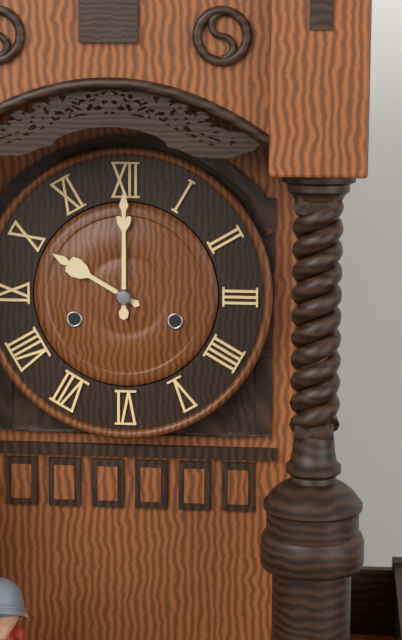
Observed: 10:00
